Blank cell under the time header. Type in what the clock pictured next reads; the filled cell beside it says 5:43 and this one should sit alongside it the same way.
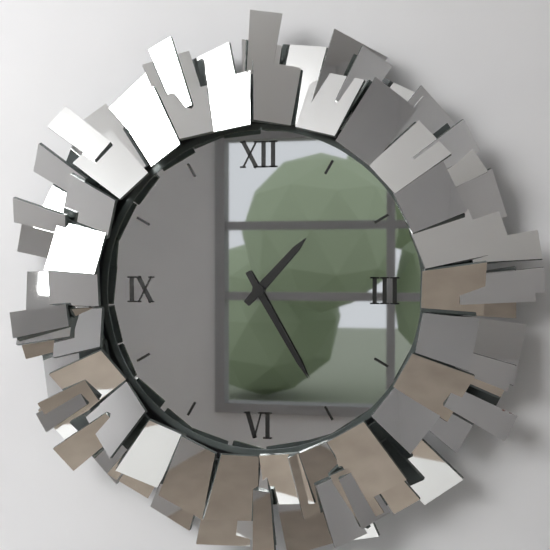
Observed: 1:25
